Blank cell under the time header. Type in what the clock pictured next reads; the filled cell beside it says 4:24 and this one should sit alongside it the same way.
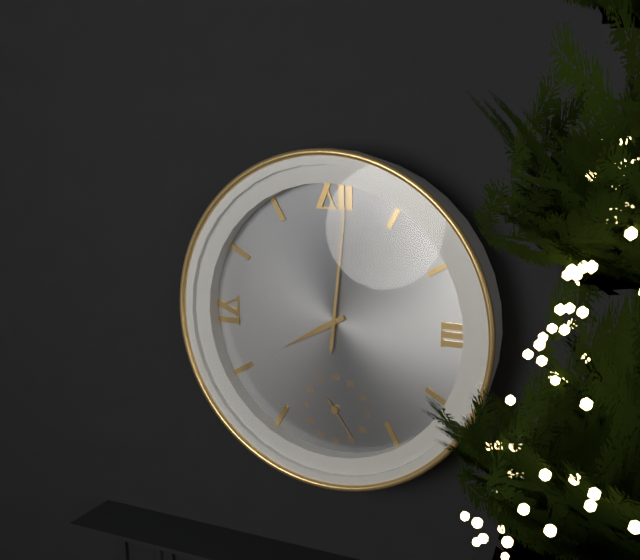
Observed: 8:01
